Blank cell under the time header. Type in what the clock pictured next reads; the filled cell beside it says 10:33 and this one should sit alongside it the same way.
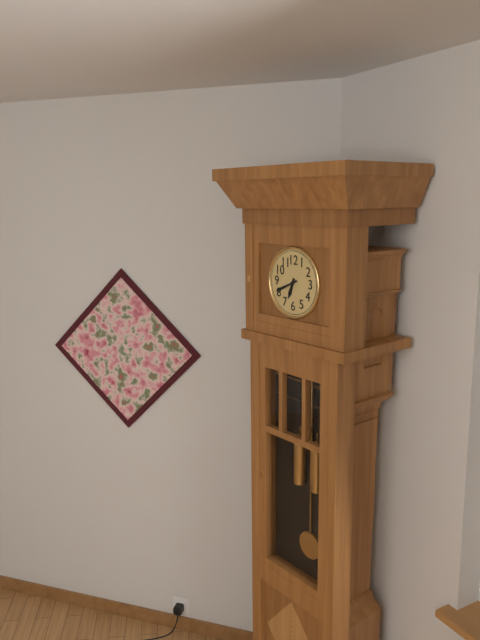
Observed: 6:41
